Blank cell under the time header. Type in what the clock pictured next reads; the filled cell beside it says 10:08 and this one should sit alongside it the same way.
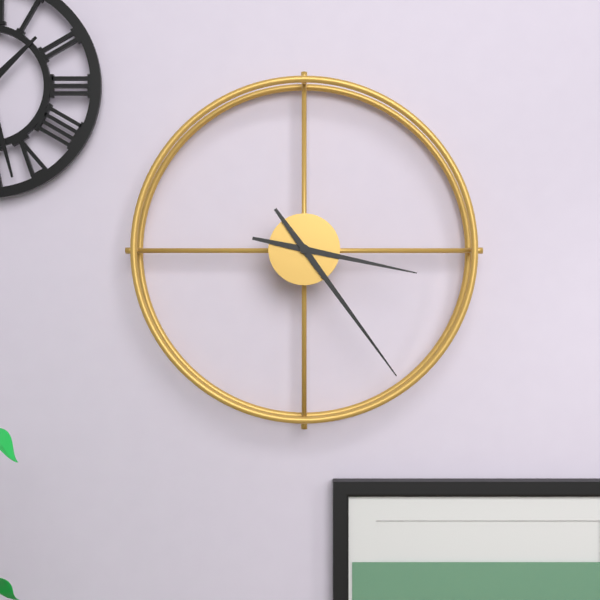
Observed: 3:24
